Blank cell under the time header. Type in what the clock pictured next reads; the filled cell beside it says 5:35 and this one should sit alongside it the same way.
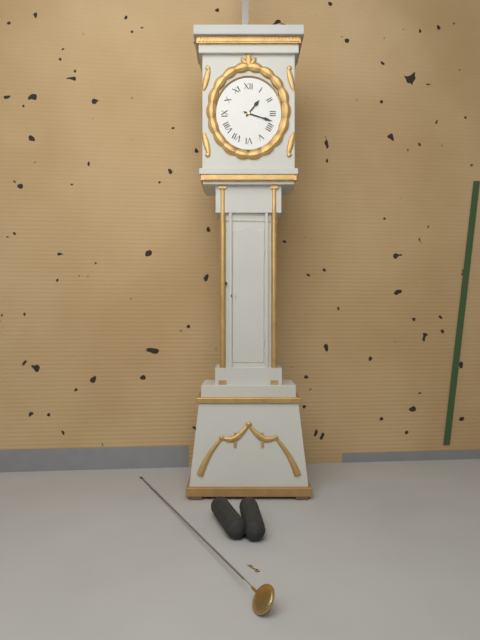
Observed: 1:18
